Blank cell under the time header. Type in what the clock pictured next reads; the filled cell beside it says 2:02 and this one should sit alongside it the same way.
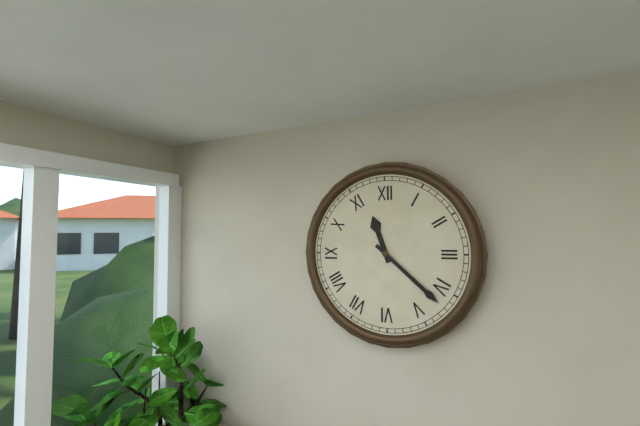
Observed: 11:22
